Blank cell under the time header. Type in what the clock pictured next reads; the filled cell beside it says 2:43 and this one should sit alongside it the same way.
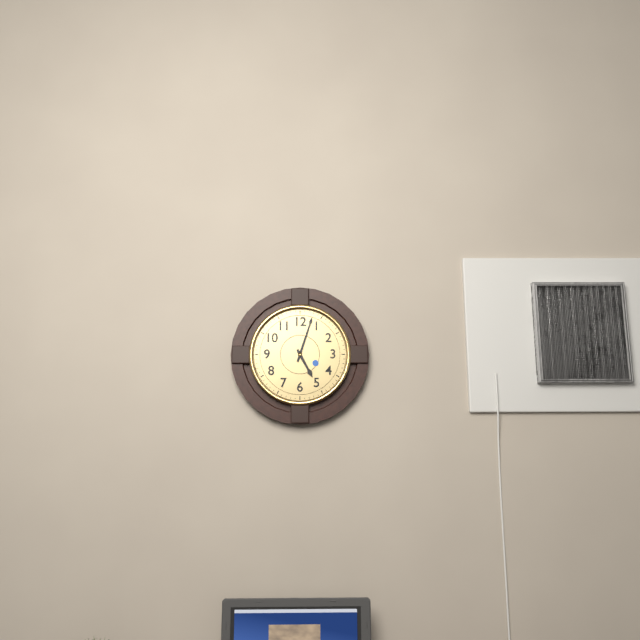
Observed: 5:03
